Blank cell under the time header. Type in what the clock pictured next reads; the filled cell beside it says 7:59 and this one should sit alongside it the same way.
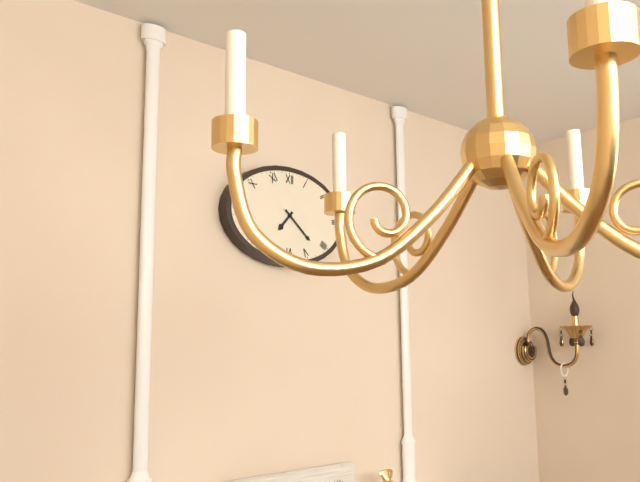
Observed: 7:22
